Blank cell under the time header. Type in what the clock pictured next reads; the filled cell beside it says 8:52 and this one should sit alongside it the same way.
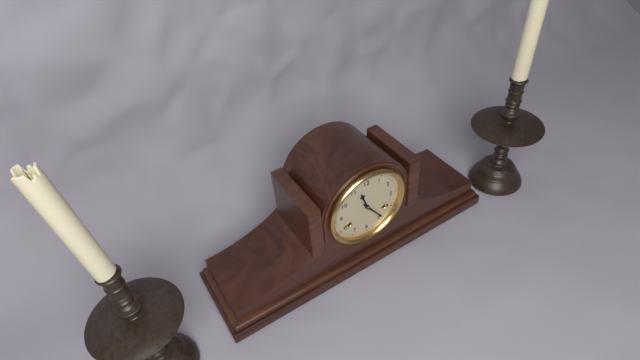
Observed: 11:24
